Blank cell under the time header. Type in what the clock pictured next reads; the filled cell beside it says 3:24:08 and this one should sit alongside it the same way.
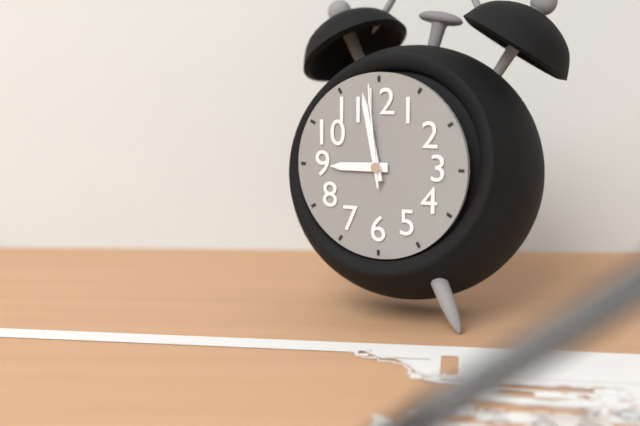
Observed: 8:58:59
